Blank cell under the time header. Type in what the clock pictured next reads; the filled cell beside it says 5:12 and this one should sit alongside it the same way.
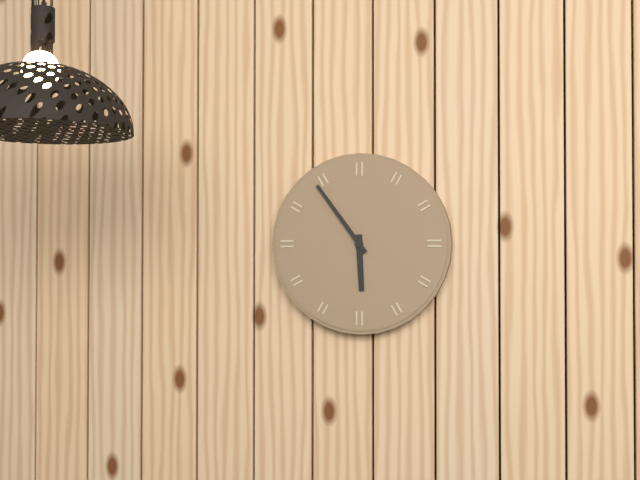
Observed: 5:54
